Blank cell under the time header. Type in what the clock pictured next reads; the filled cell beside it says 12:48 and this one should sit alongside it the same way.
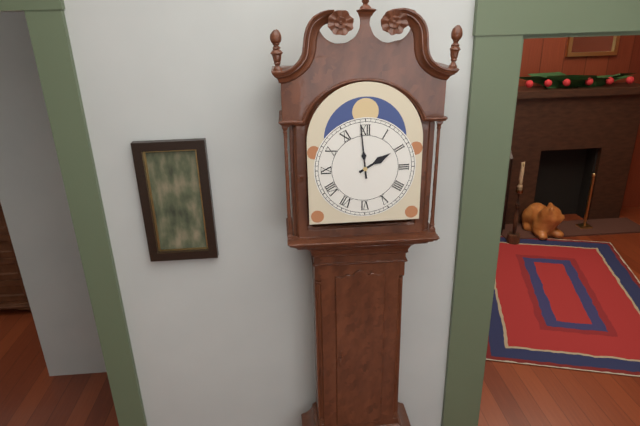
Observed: 1:59
